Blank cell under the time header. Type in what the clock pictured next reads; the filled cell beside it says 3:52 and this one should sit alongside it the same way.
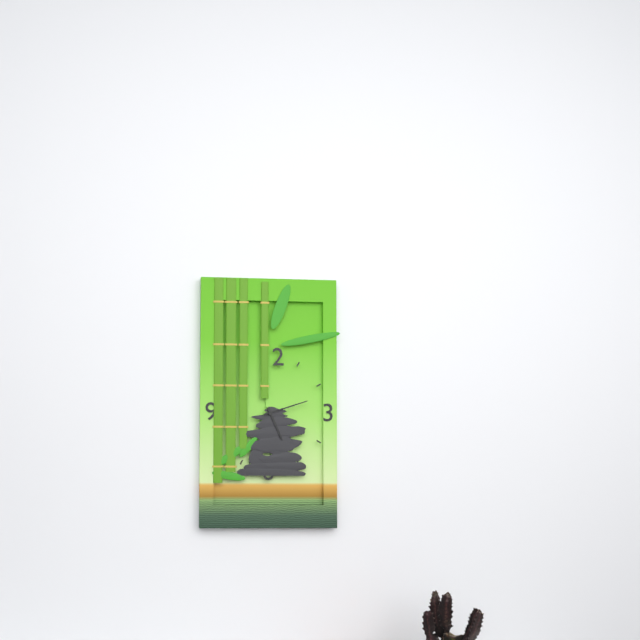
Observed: 5:12
